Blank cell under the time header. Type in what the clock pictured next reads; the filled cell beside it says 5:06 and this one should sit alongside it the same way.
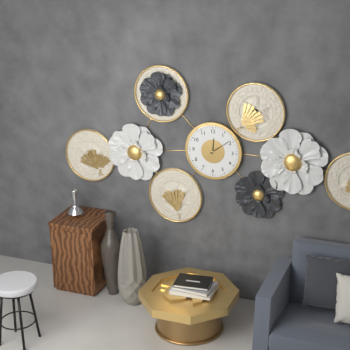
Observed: 12:09
